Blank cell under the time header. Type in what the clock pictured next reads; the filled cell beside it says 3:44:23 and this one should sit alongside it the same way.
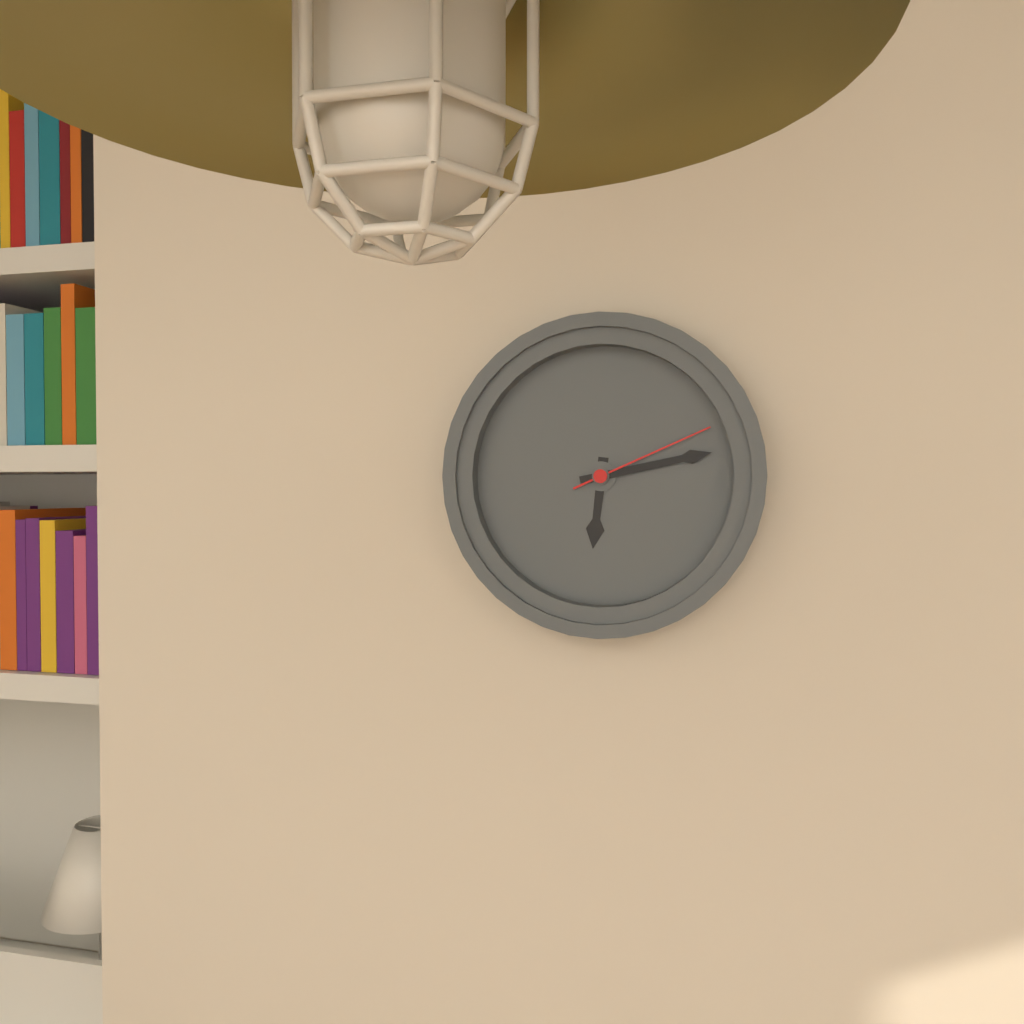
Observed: 6:13:11
